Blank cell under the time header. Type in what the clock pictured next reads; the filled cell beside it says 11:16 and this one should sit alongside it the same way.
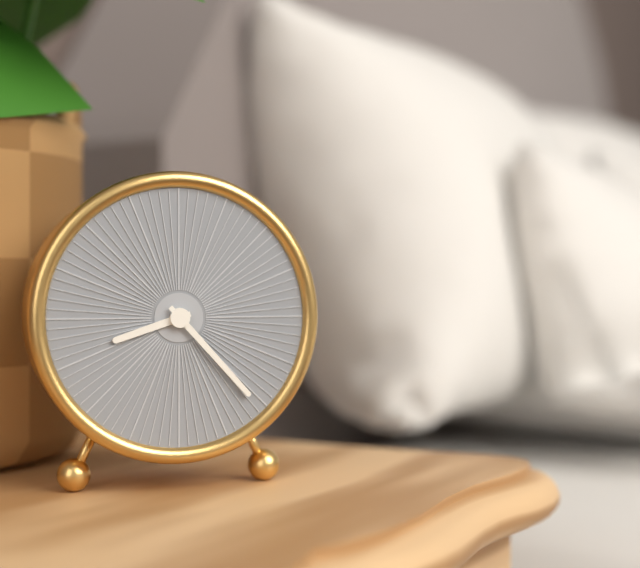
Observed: 8:23
